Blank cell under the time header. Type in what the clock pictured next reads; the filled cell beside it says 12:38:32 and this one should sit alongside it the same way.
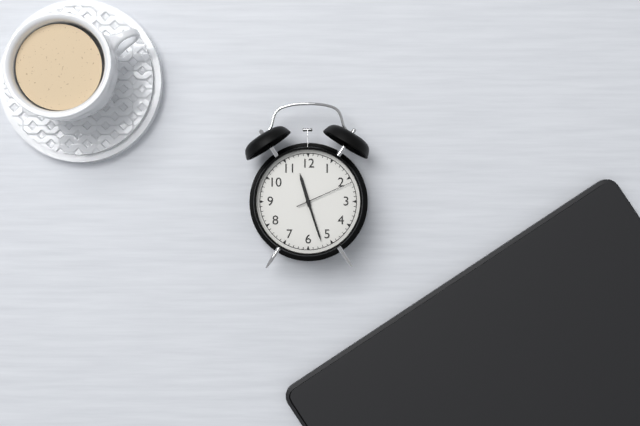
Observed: 11:27:11
